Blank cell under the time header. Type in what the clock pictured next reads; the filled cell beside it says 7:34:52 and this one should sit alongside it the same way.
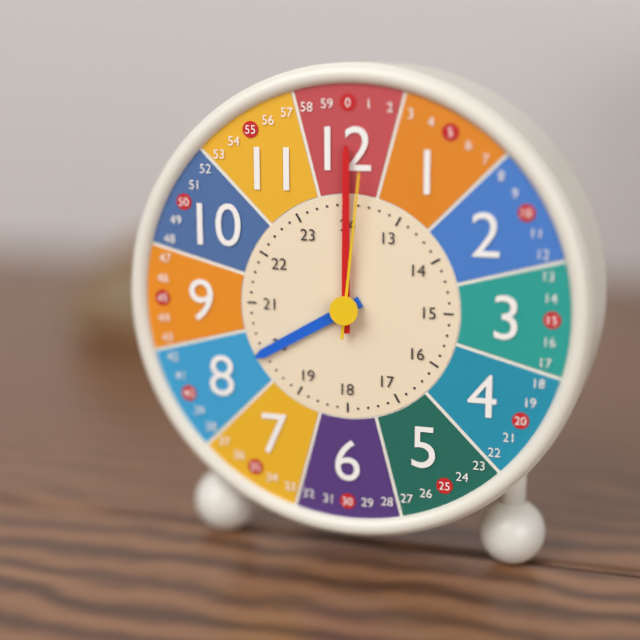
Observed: 8:00:01
